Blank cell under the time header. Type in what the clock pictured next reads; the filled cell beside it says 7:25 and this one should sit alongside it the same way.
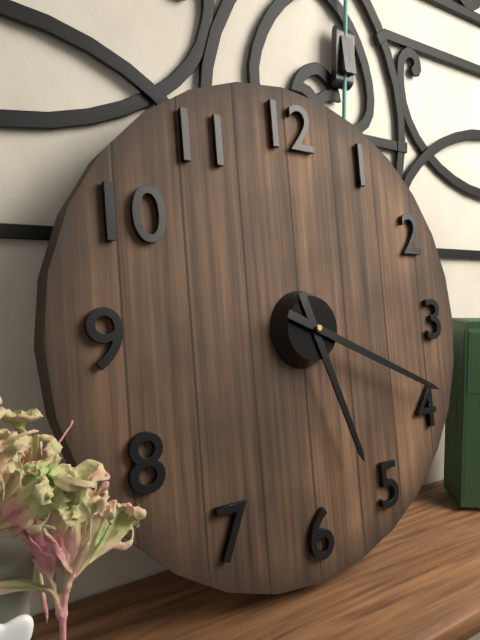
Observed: 5:19
